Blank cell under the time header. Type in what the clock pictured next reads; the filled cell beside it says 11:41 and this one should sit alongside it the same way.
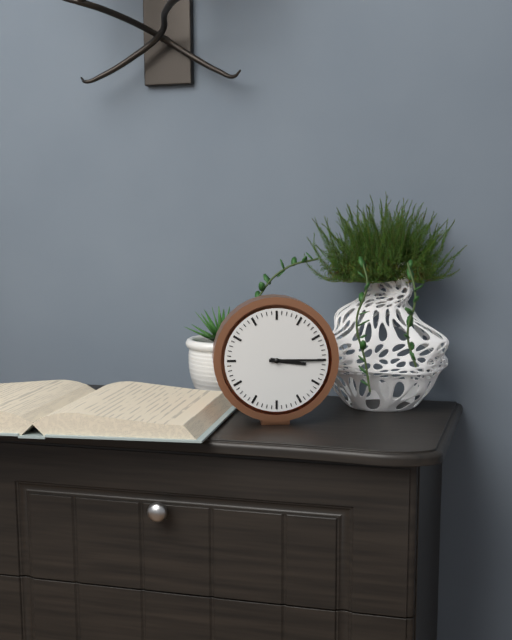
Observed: 3:15
